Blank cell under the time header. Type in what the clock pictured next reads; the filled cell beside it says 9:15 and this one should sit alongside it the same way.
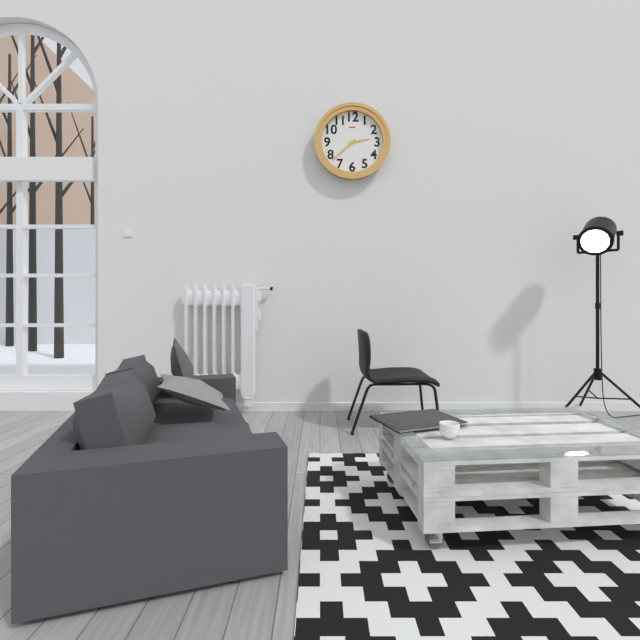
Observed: 2:38
